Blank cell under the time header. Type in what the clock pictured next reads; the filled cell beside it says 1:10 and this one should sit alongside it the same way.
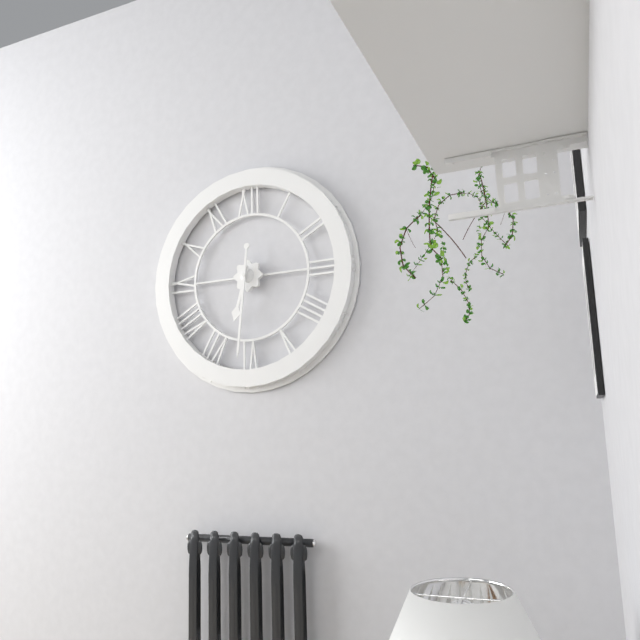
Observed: 6:31
